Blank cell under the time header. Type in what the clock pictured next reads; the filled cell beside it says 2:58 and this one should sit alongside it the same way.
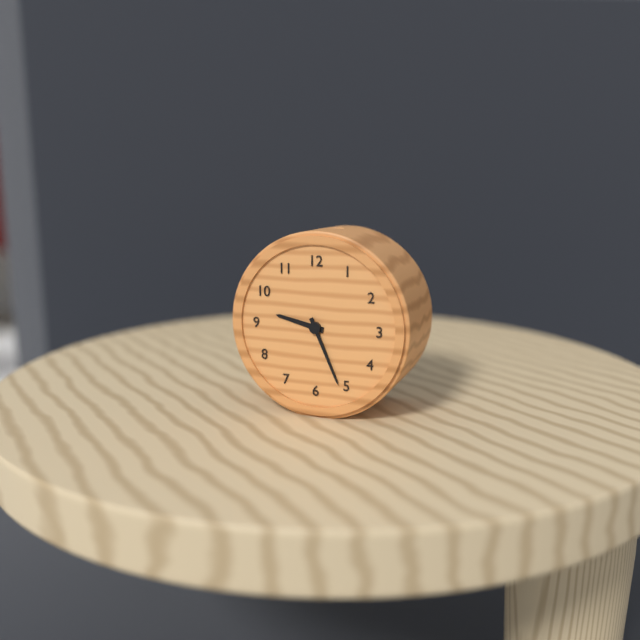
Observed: 9:26
